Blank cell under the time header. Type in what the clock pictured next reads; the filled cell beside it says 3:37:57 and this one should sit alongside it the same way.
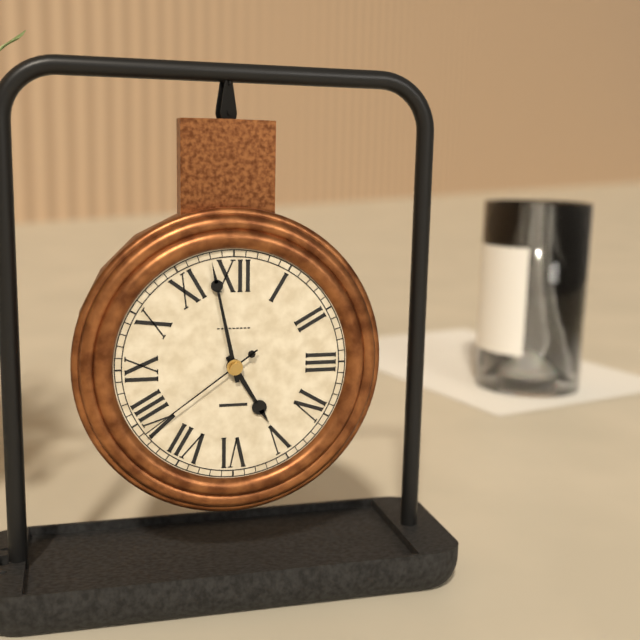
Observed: 4:58:39
